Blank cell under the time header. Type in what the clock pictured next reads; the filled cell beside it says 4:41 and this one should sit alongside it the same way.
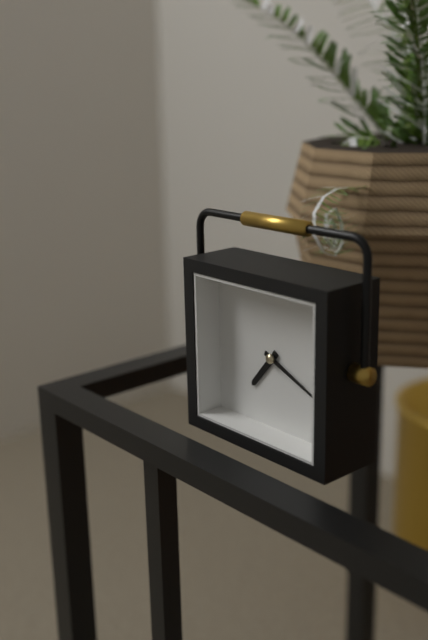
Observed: 7:19
